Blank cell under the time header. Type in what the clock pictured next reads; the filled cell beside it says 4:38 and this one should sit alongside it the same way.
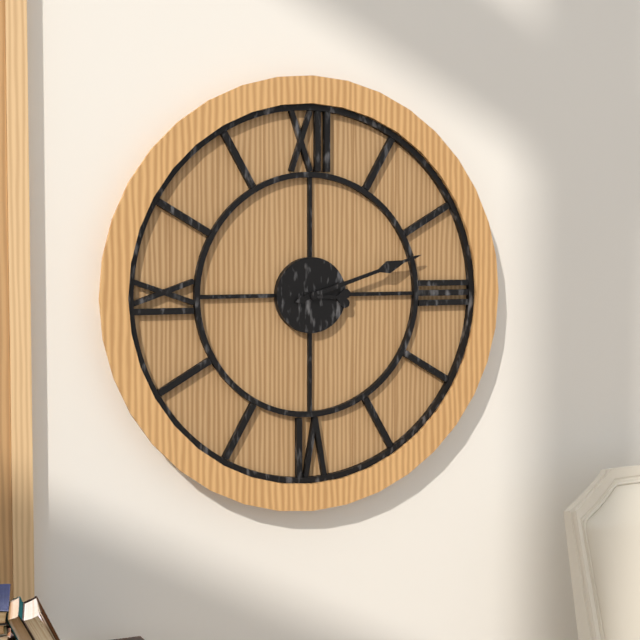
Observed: 3:12
